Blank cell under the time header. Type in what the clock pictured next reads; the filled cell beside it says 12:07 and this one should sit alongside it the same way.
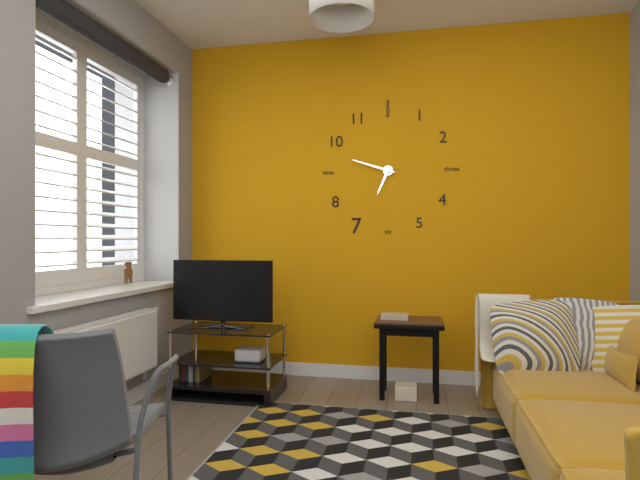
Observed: 6:48
